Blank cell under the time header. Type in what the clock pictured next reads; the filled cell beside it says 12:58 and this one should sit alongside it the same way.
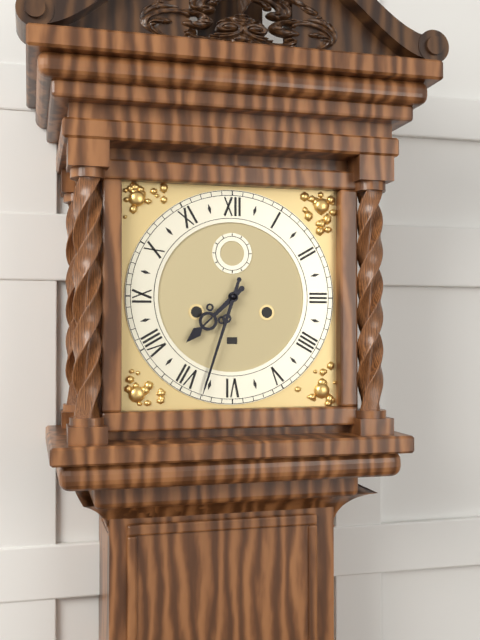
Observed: 7:33
